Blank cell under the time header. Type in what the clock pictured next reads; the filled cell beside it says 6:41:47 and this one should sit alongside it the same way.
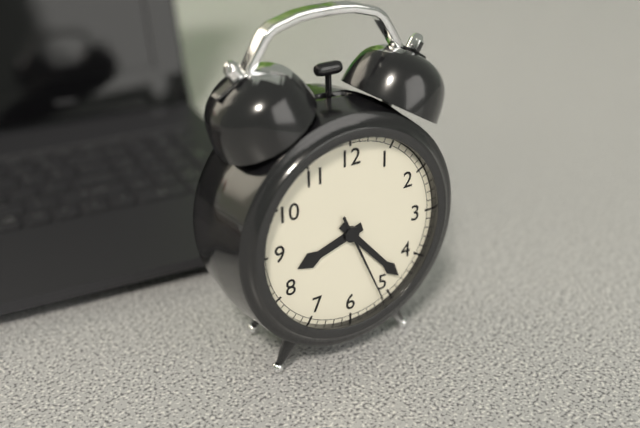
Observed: 8:23:26
